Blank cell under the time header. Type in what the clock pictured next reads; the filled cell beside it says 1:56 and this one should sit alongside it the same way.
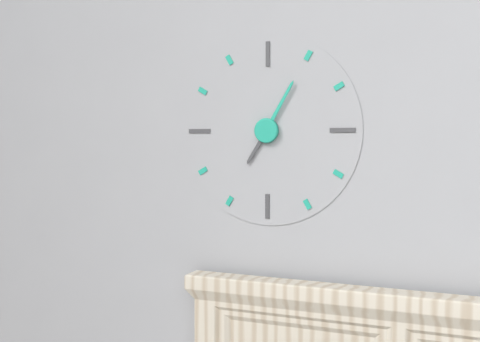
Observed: 7:05
